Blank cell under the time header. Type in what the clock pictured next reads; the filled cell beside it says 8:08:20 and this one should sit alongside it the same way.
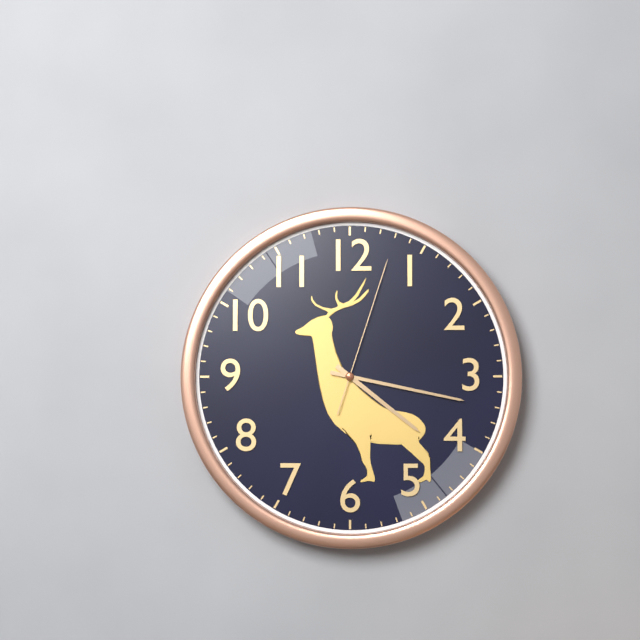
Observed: 4:17:03
